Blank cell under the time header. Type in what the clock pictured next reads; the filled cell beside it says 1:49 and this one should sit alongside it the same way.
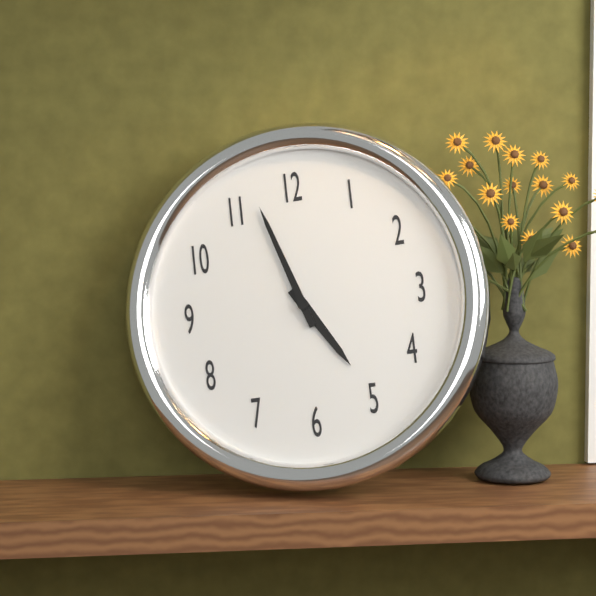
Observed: 4:57
